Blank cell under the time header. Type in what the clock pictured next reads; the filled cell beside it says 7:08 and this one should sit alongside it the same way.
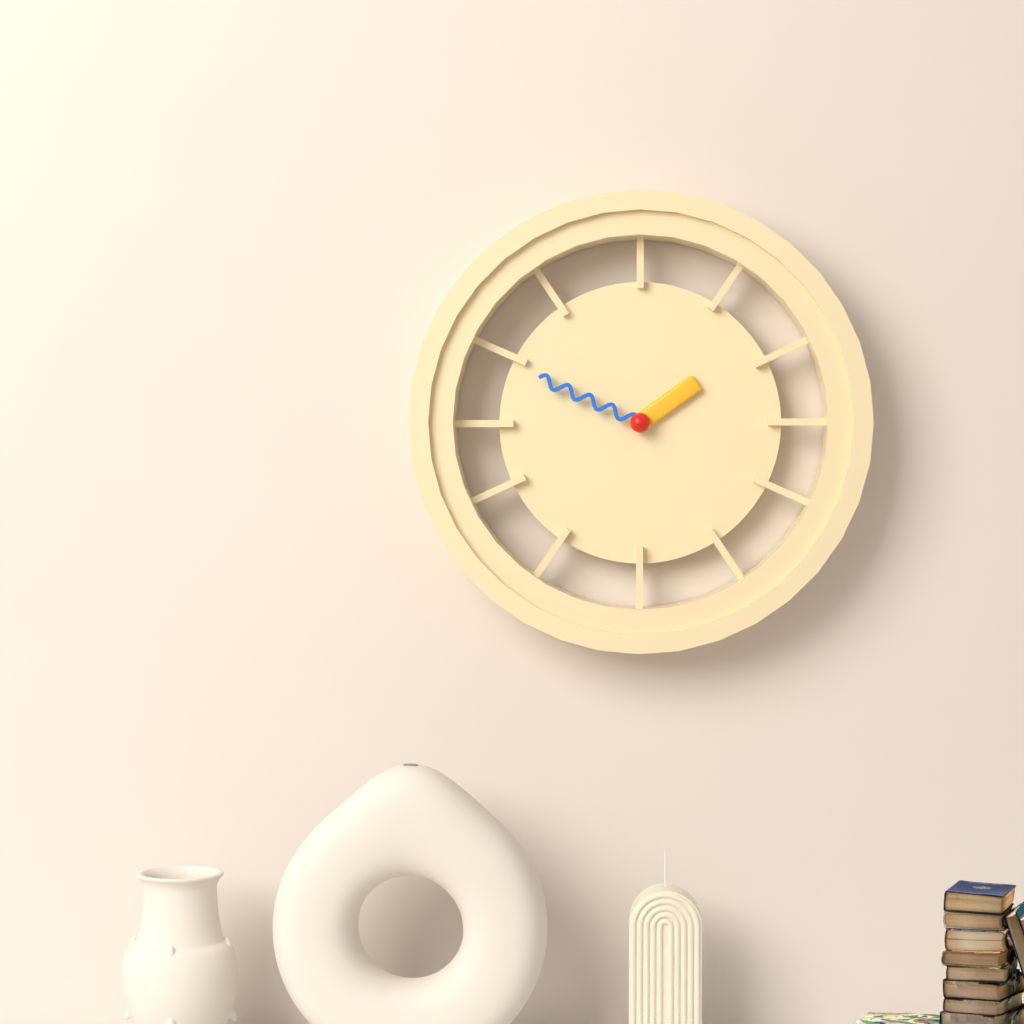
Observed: 1:49
